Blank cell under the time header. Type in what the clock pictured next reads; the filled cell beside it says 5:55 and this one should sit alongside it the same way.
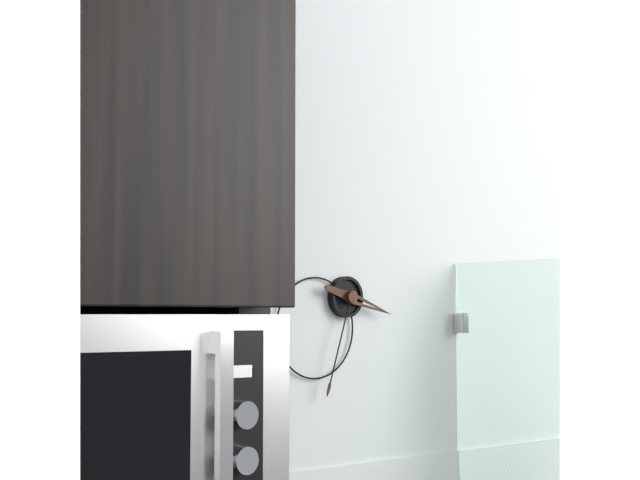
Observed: 3:33
